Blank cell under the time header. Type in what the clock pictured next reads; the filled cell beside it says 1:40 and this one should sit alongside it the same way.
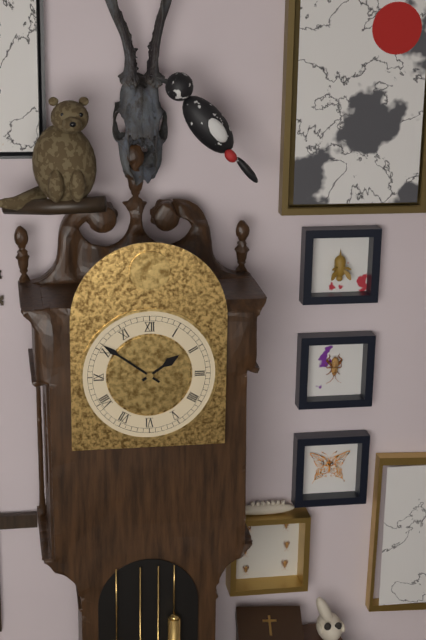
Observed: 1:51
